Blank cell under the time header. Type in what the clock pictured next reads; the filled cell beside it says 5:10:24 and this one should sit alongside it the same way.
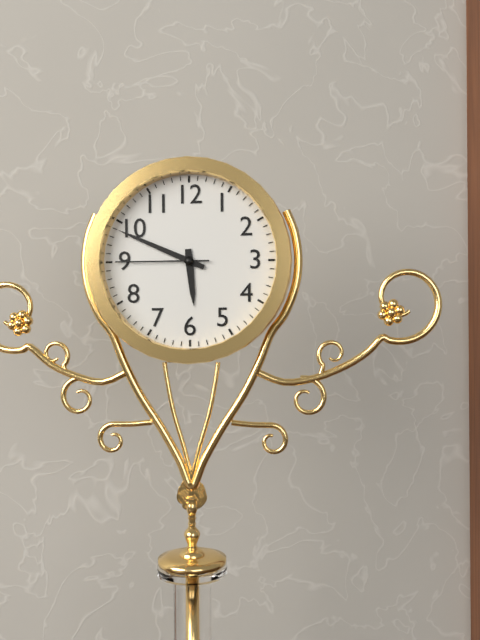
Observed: 5:49:45
